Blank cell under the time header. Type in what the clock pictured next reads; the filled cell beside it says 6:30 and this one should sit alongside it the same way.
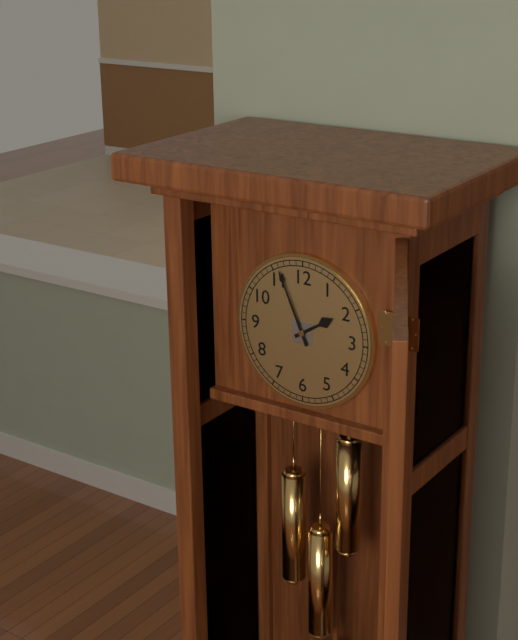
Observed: 1:56
